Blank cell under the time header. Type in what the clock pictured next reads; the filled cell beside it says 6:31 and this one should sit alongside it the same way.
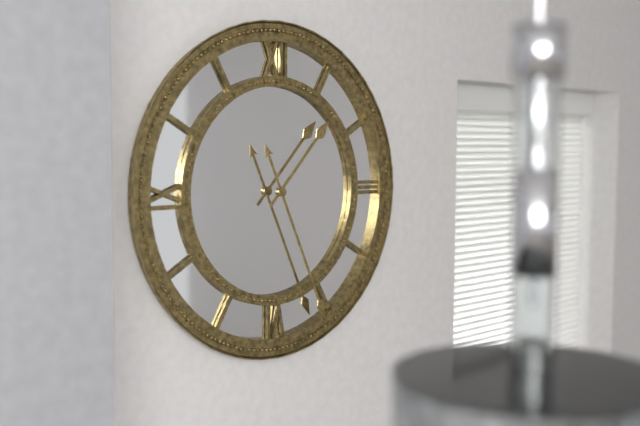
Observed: 1:26
